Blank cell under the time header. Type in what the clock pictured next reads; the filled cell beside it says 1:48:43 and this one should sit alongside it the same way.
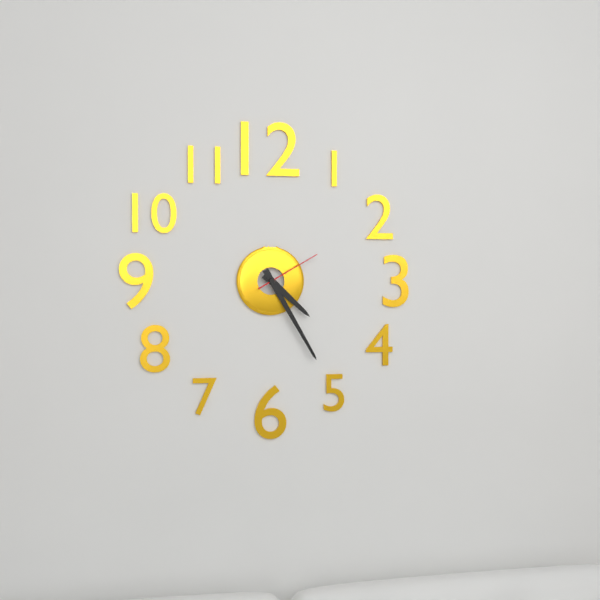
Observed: 4:25:10
